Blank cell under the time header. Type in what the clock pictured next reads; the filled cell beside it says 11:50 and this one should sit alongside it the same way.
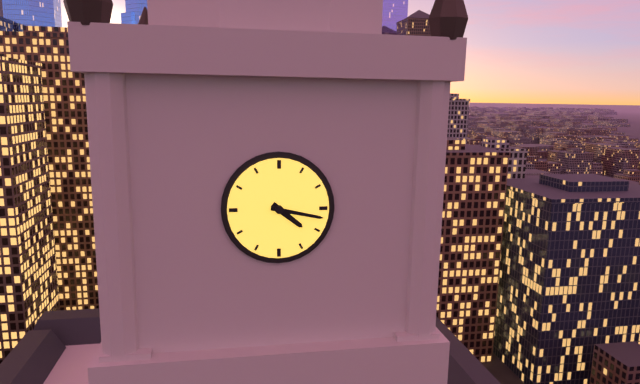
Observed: 4:17
